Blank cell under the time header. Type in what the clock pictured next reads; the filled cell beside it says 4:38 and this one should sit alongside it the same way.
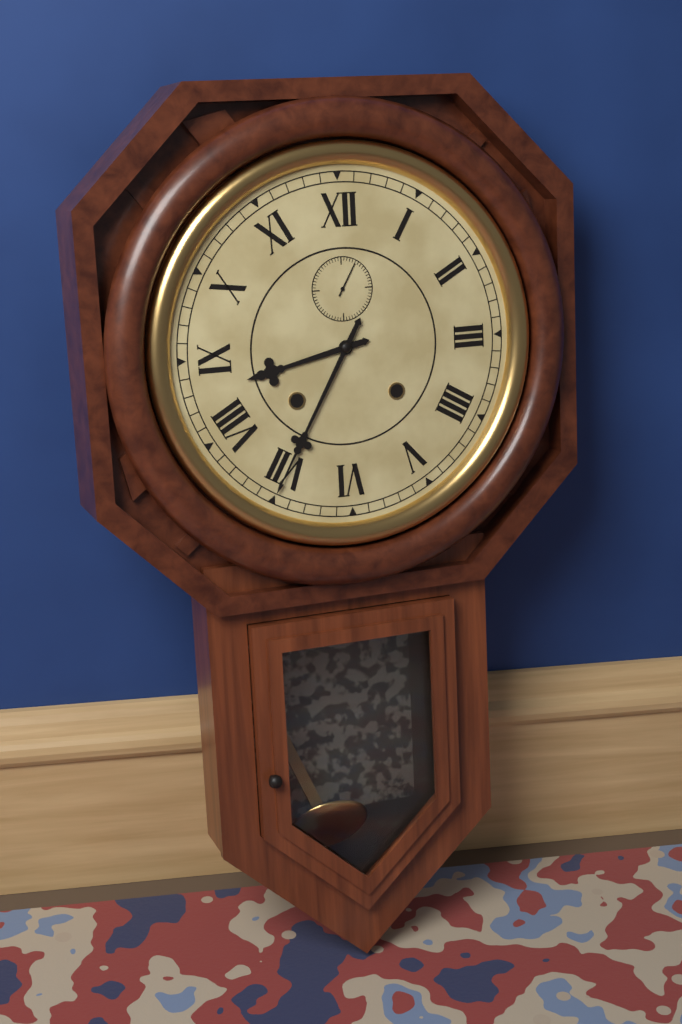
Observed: 8:35
